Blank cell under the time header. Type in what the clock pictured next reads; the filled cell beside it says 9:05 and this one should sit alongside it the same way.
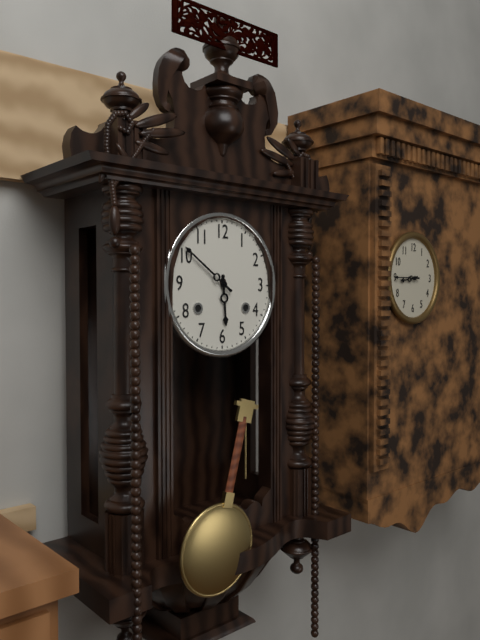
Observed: 5:51
